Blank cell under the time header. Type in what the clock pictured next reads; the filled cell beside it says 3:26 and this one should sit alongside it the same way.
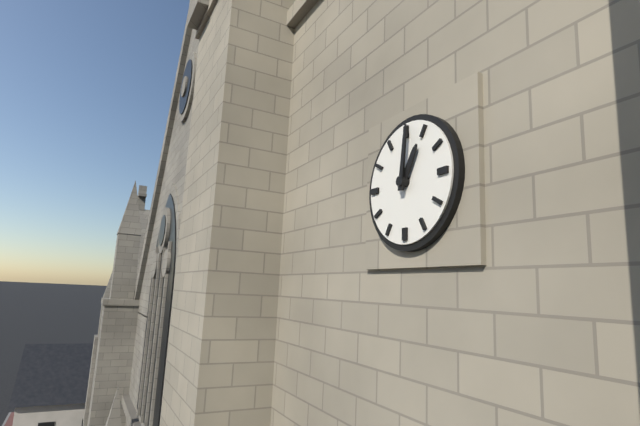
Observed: 1:01
